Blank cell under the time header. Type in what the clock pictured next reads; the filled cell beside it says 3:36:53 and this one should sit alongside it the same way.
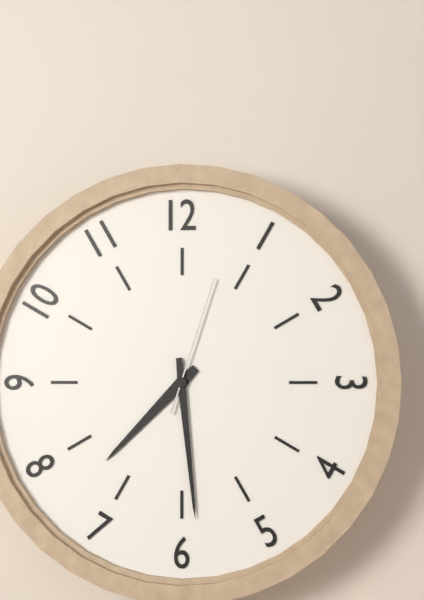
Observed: 7:29:03
